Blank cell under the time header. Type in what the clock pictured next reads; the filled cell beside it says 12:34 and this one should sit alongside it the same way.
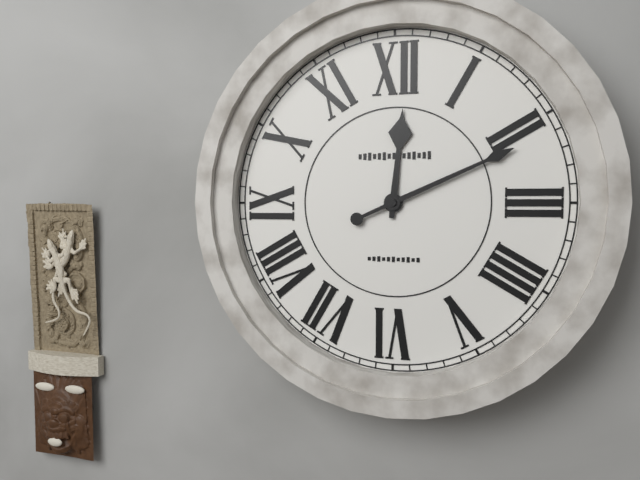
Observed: 12:11
